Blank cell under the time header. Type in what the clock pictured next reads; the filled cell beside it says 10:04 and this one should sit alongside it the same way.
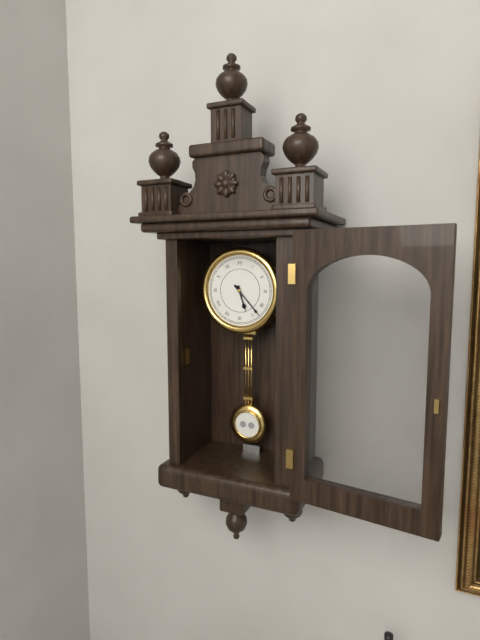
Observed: 5:23
